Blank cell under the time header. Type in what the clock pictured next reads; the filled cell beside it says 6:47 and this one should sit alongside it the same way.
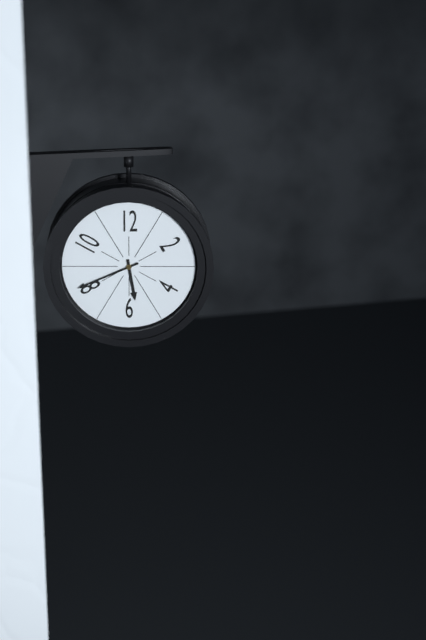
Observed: 5:41
